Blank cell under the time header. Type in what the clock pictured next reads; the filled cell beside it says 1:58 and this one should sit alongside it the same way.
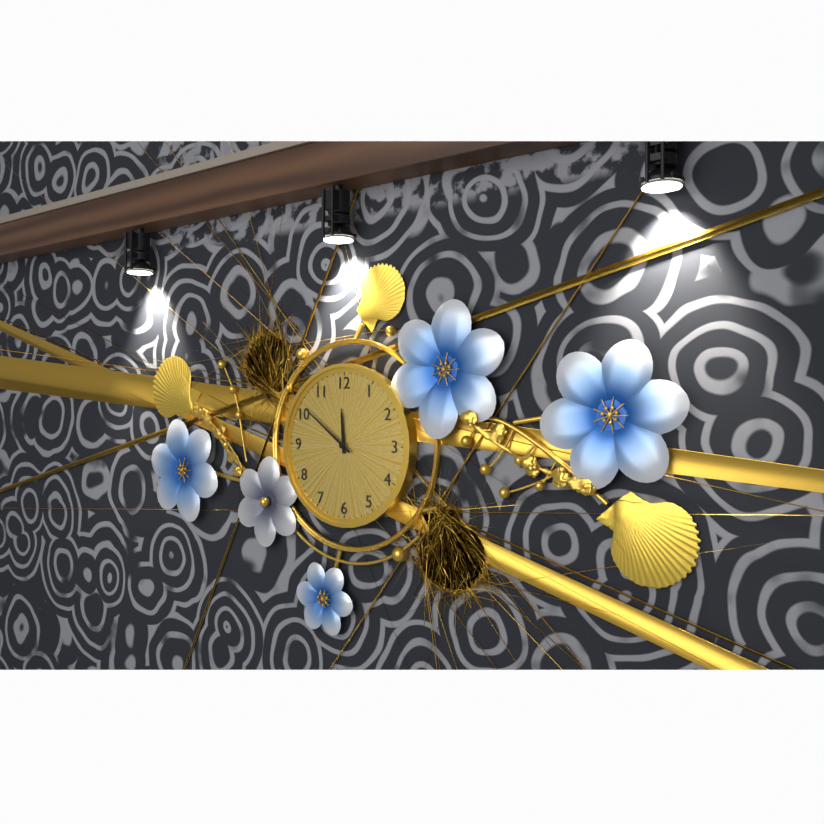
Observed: 11:51
